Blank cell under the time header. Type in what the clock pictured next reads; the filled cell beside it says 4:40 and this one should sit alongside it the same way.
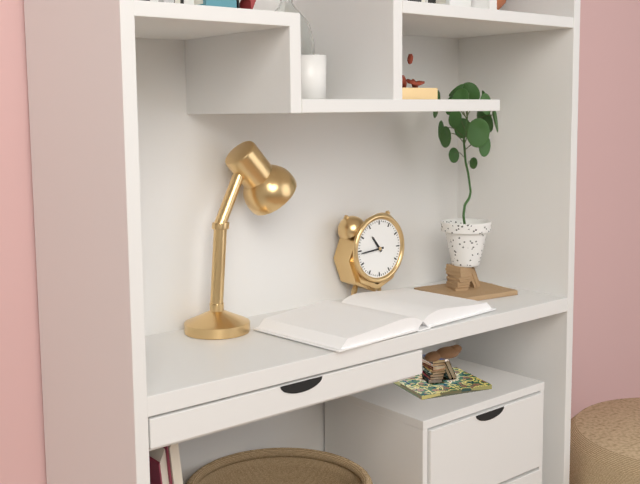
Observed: 10:44
